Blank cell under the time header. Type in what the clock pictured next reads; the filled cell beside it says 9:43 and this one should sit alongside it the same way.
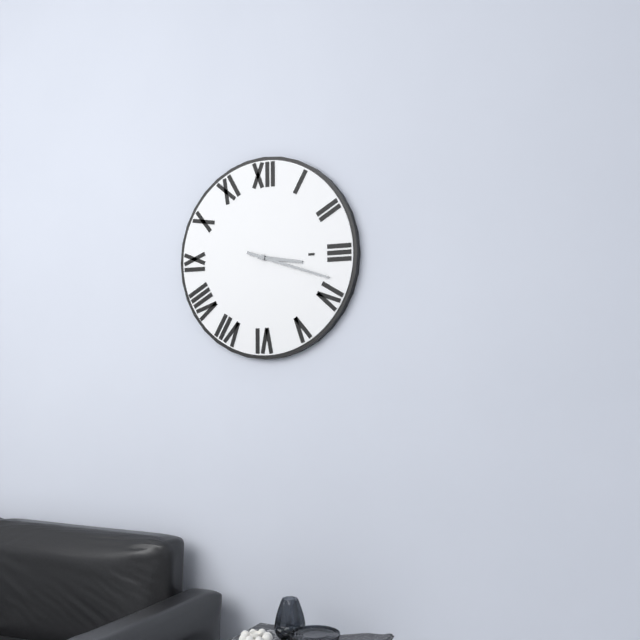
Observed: 3:18
